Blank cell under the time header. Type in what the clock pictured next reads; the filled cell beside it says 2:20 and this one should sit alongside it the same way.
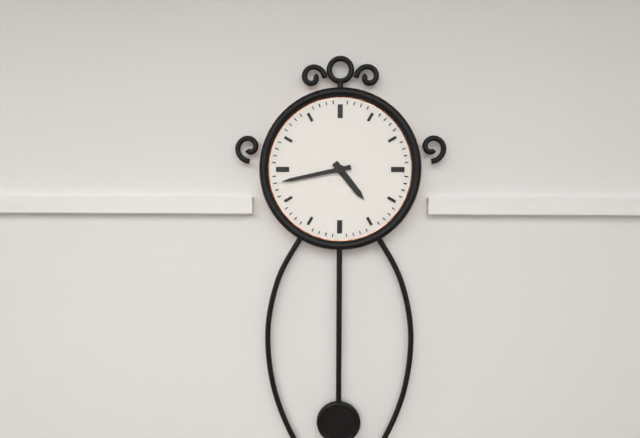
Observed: 4:43
